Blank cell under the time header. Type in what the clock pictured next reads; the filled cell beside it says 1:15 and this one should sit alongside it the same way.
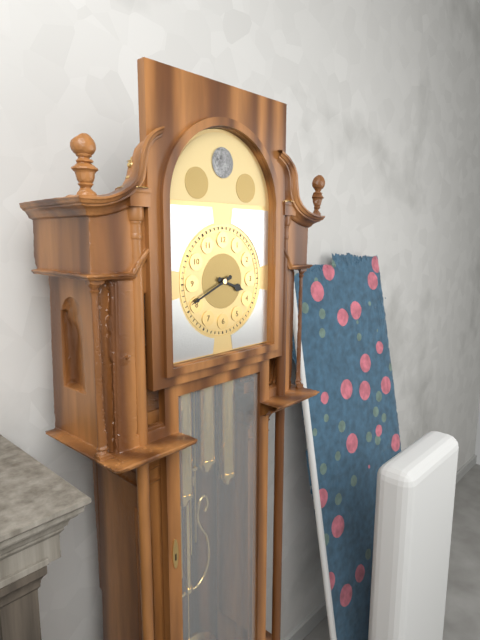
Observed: 3:41
